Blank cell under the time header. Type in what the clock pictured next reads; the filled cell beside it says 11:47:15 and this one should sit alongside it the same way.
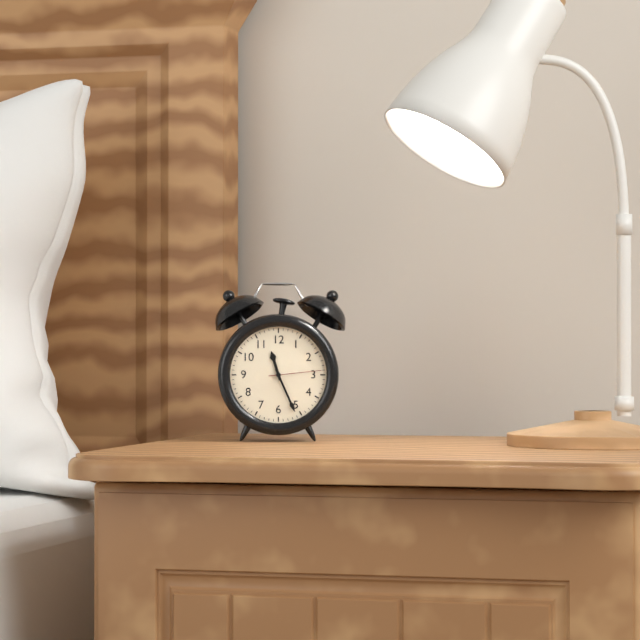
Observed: 11:26:14
